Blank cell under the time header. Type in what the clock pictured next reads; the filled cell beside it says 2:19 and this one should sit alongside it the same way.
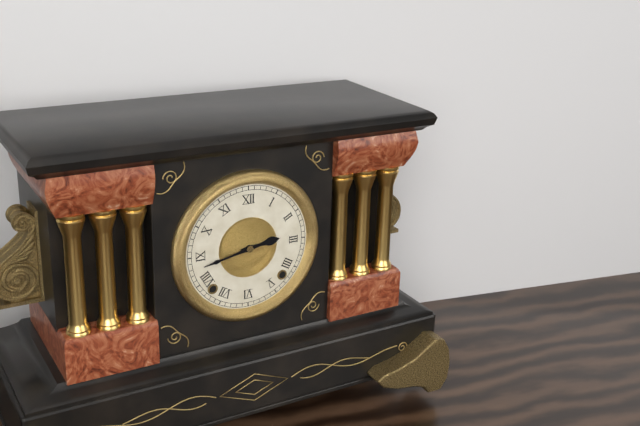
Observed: 2:43
